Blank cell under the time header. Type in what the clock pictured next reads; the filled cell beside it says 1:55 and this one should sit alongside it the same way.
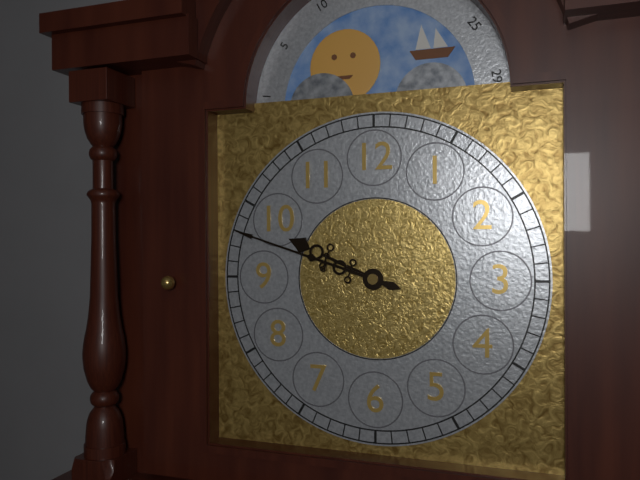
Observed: 9:48
